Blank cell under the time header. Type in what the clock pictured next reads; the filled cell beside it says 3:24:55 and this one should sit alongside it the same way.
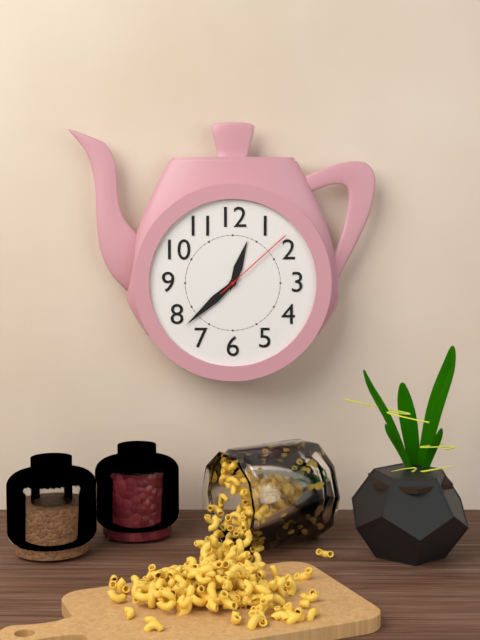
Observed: 12:38:08
